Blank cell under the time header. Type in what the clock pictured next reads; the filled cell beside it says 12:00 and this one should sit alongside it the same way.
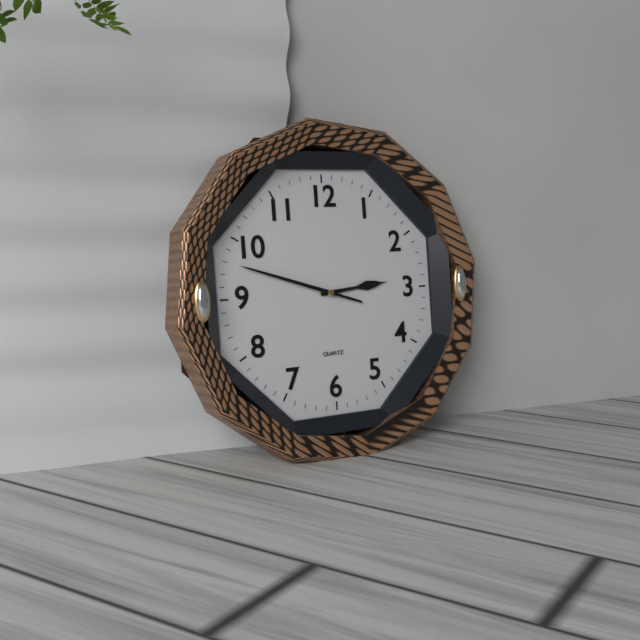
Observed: 2:48
